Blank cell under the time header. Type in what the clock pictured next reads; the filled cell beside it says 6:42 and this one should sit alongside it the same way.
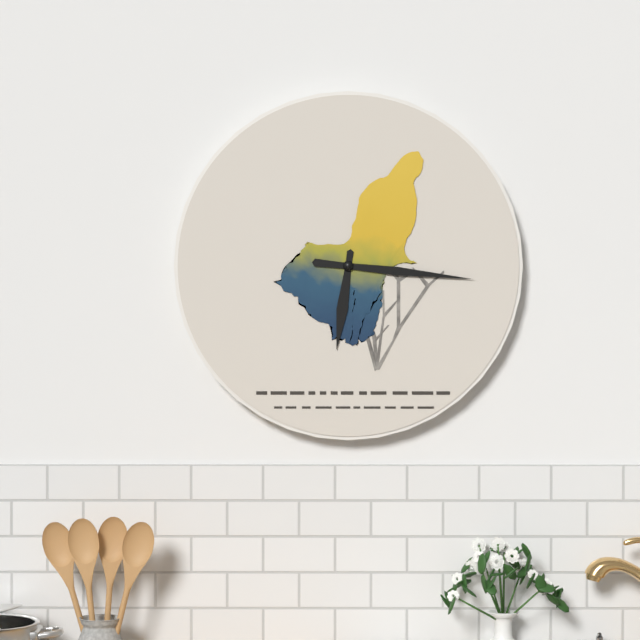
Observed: 6:16
